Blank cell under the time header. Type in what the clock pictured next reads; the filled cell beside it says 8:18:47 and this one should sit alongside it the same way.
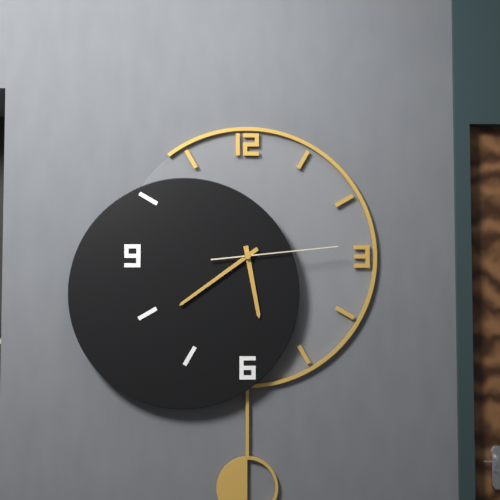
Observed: 5:39:14
